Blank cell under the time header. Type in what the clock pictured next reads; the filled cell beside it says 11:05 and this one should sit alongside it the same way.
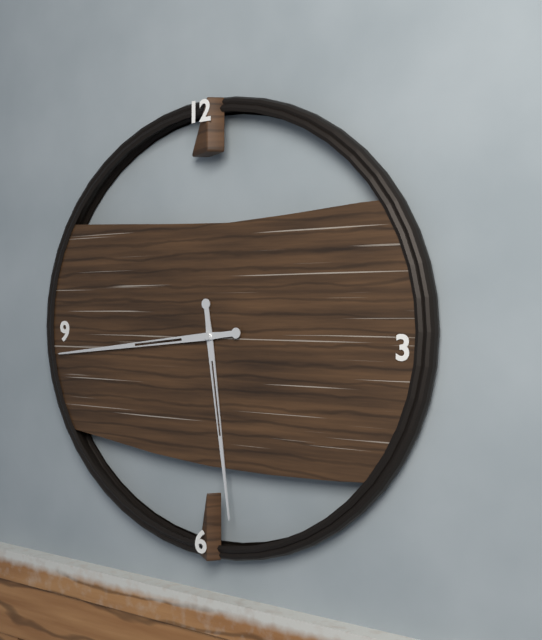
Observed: 5:44
